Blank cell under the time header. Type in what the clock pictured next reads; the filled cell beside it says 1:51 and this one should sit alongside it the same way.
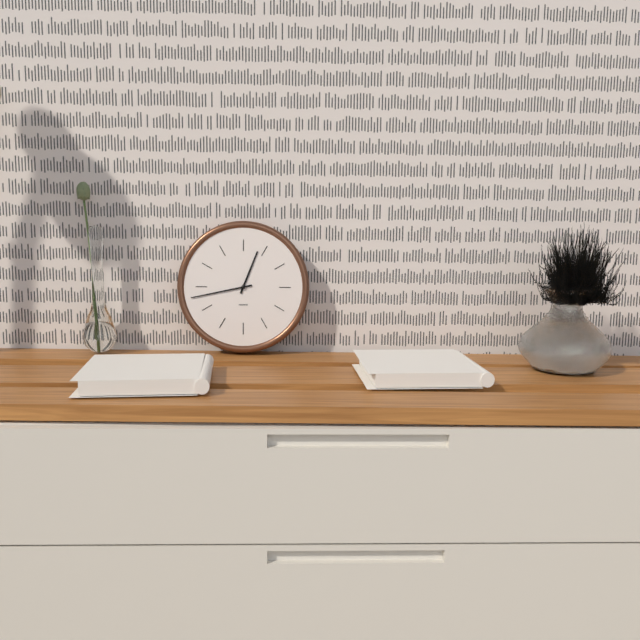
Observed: 12:43
